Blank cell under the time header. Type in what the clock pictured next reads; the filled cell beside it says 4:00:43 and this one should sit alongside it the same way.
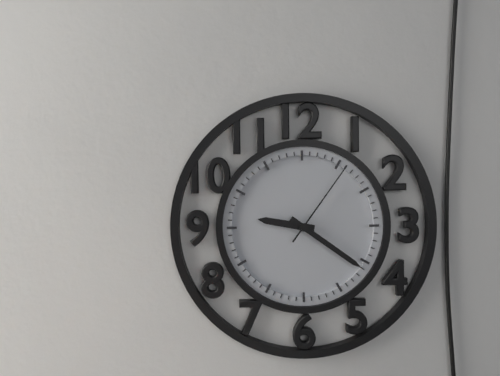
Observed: 9:21:06
